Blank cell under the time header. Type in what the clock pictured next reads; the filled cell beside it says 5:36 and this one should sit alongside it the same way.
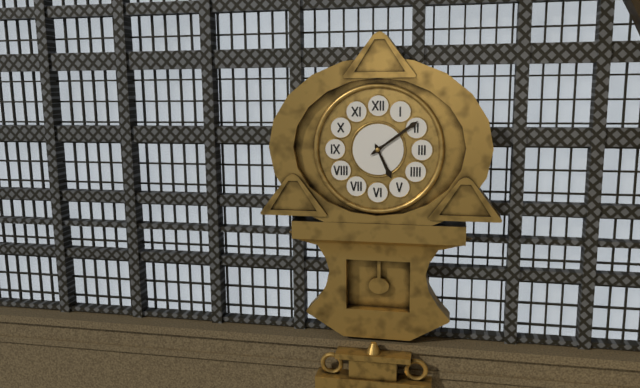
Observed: 5:09
